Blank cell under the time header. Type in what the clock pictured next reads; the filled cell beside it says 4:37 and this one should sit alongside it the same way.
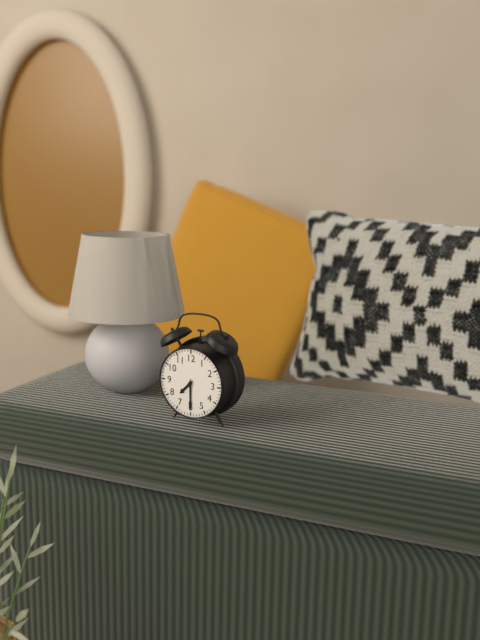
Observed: 7:30
